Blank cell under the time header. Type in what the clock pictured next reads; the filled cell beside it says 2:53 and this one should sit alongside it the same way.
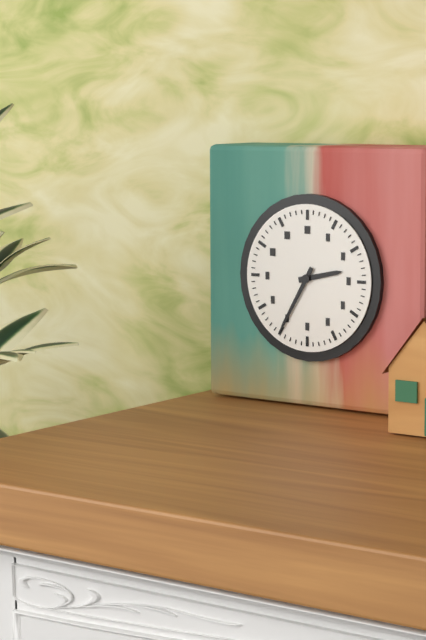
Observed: 2:35
